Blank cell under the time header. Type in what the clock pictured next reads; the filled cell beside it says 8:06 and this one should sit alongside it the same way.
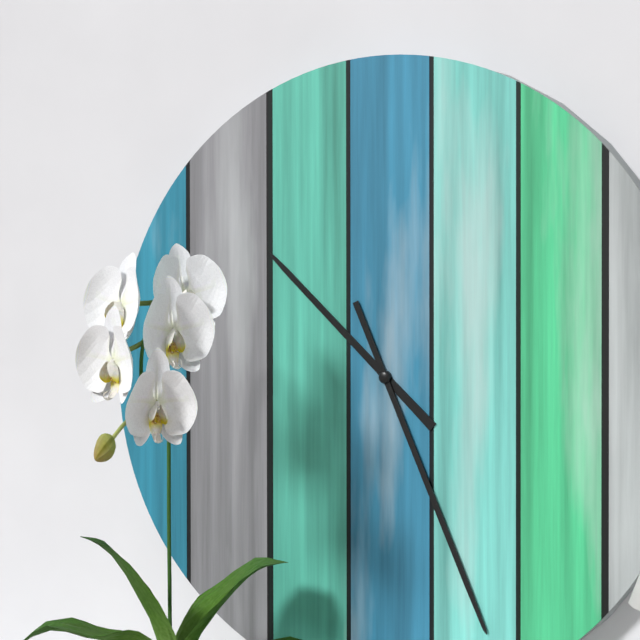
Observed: 10:26
